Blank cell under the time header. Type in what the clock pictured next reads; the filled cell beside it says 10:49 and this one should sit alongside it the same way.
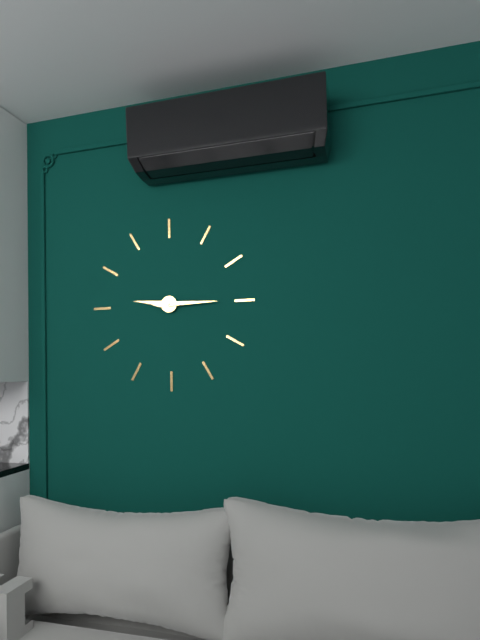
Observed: 9:15
